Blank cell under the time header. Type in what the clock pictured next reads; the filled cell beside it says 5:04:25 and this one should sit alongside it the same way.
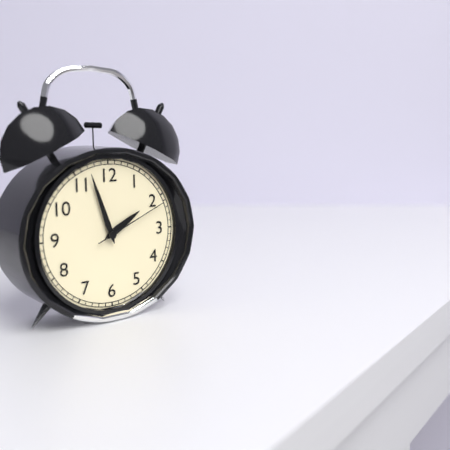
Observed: 1:57:11
